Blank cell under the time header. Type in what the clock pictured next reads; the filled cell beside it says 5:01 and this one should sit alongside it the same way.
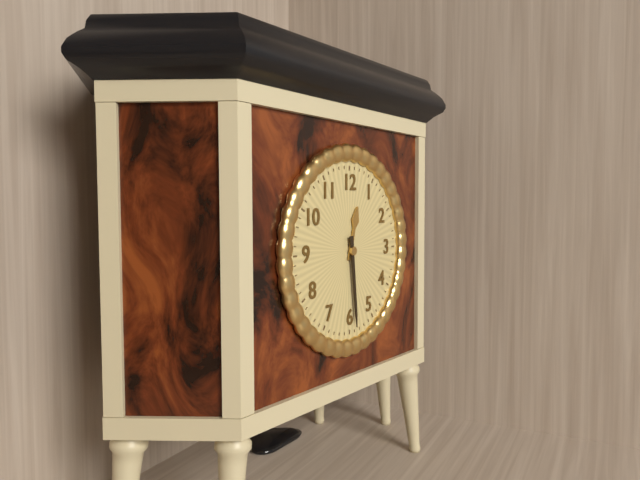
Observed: 12:29
